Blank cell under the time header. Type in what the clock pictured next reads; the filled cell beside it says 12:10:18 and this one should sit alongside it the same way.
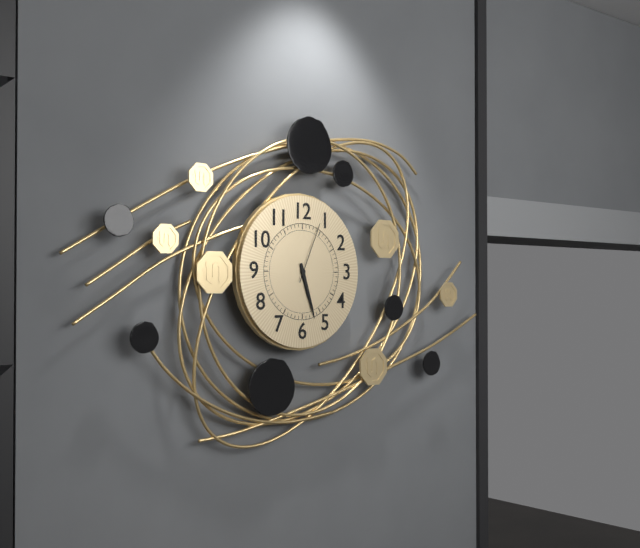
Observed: 5:27:04
